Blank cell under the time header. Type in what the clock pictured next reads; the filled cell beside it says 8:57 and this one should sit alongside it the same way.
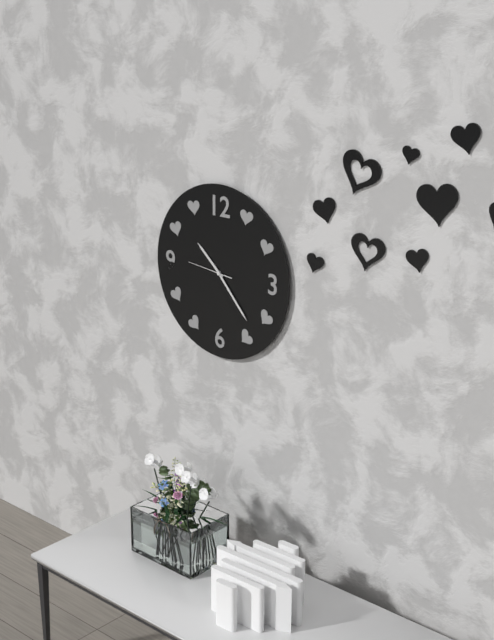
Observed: 10:23
